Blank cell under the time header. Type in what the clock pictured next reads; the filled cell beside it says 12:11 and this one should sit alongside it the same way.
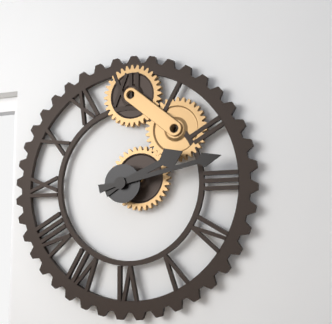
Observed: 2:13
